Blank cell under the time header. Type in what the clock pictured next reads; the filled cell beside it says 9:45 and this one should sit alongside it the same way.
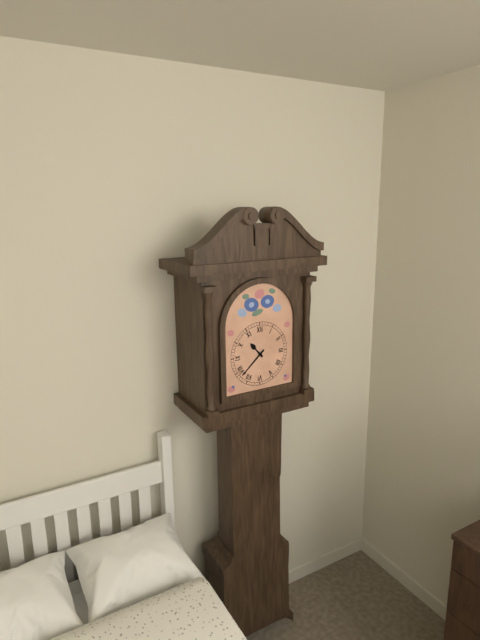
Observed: 10:38
